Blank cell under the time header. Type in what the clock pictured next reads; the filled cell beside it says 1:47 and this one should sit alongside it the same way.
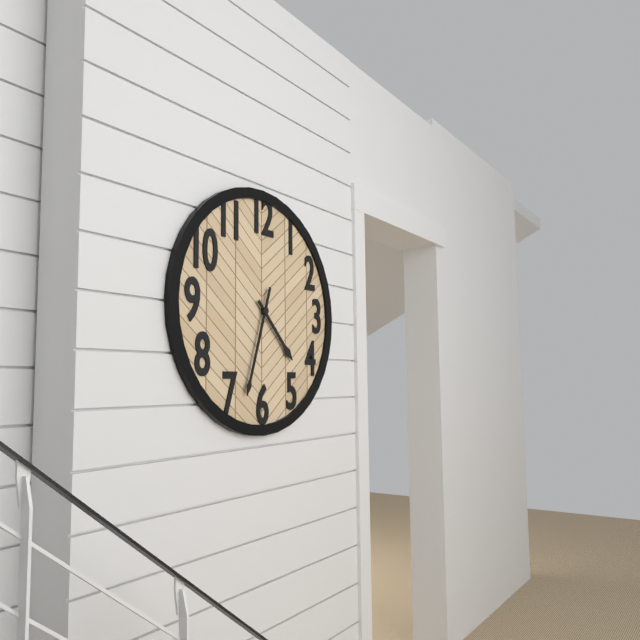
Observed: 4:33
